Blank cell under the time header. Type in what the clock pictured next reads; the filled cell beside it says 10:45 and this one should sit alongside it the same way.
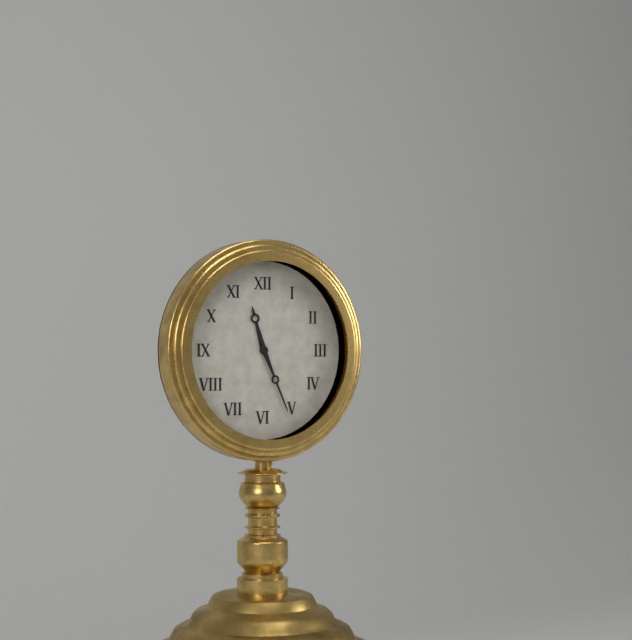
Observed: 11:26
